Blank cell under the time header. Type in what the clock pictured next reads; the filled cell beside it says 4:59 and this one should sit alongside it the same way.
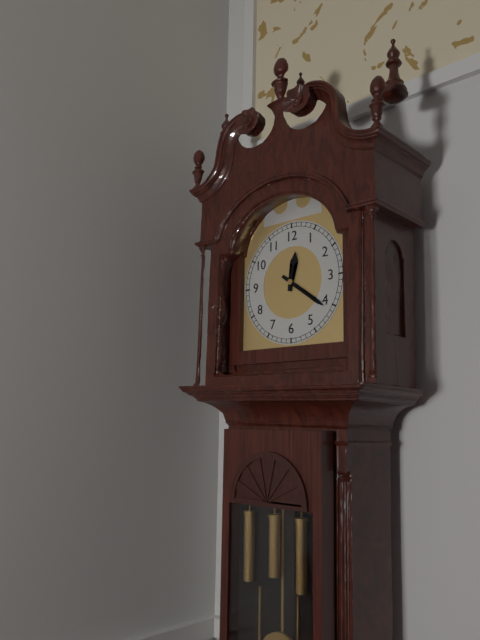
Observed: 12:21
